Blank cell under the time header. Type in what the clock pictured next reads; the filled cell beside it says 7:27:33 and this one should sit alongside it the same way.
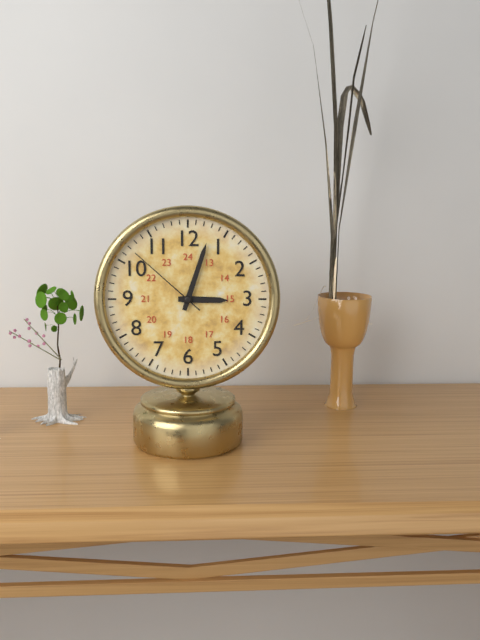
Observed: 3:03:52
